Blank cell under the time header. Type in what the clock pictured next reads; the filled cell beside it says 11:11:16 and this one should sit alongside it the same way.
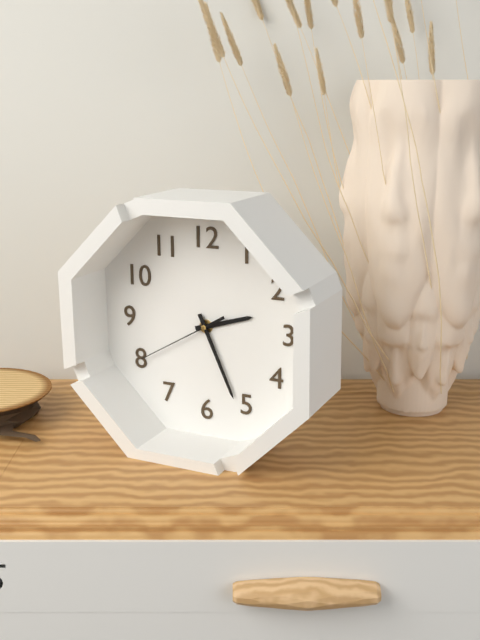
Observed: 2:26:40
